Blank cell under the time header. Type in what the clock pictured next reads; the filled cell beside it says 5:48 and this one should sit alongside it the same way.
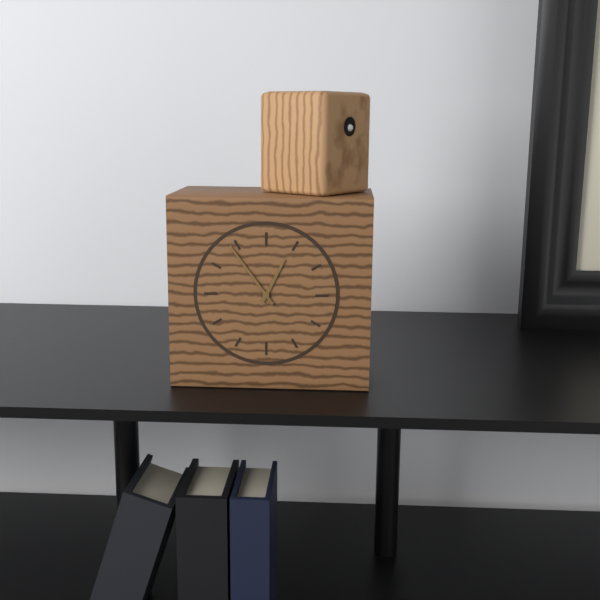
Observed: 12:54
